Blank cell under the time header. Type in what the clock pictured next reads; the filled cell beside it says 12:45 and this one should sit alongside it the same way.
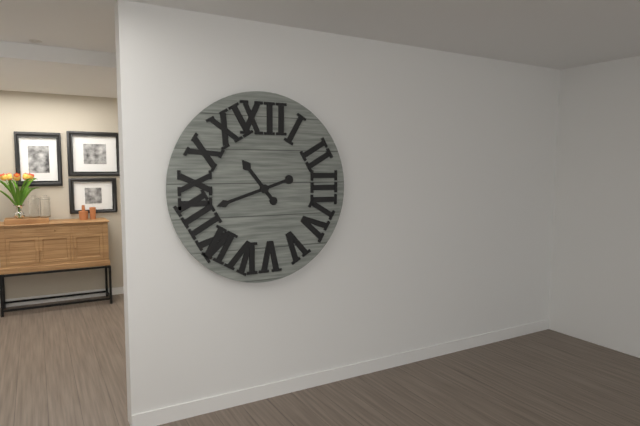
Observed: 10:42
